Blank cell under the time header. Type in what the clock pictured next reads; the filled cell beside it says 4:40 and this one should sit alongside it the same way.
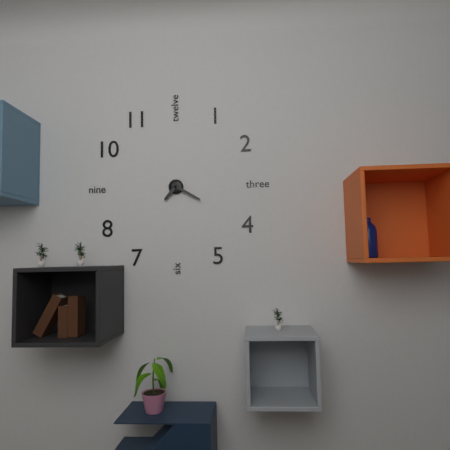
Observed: 7:20
